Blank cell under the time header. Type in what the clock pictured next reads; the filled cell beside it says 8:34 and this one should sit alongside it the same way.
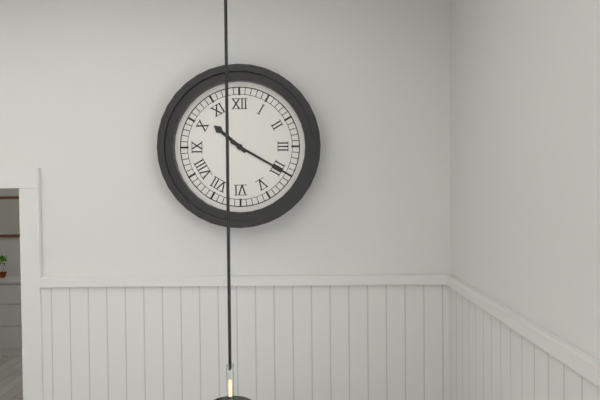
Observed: 10:20
